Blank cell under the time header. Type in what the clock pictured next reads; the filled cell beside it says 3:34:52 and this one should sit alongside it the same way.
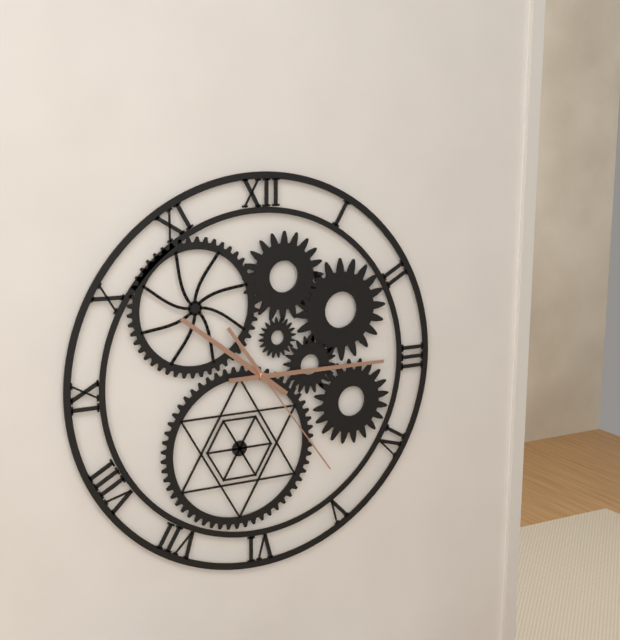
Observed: 10:15:24
